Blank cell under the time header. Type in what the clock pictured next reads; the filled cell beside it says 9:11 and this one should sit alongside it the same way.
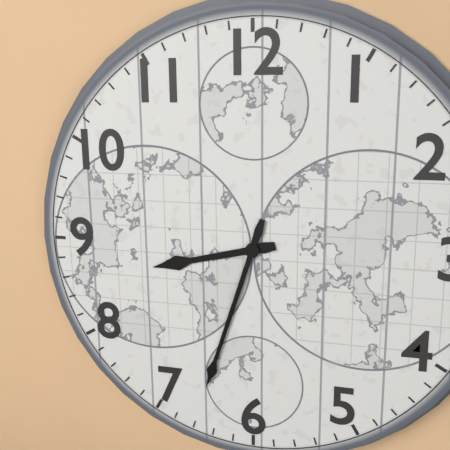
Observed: 8:33
